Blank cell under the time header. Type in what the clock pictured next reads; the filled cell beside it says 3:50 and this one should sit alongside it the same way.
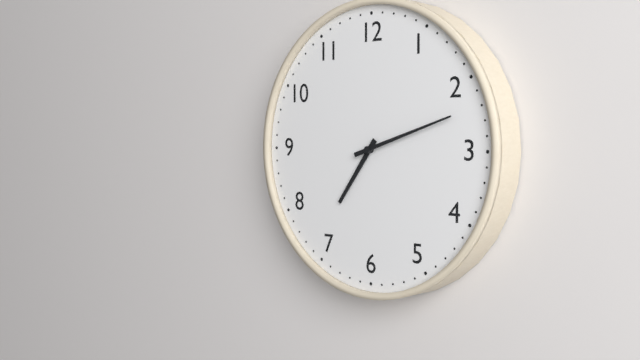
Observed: 7:12
